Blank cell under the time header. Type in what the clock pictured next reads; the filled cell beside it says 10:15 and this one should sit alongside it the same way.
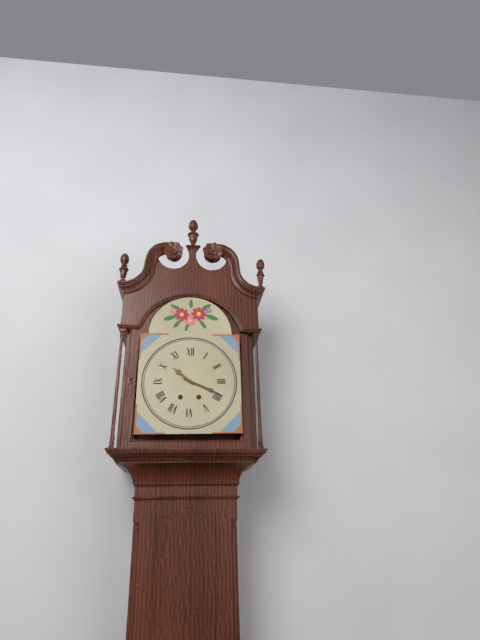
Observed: 10:19
